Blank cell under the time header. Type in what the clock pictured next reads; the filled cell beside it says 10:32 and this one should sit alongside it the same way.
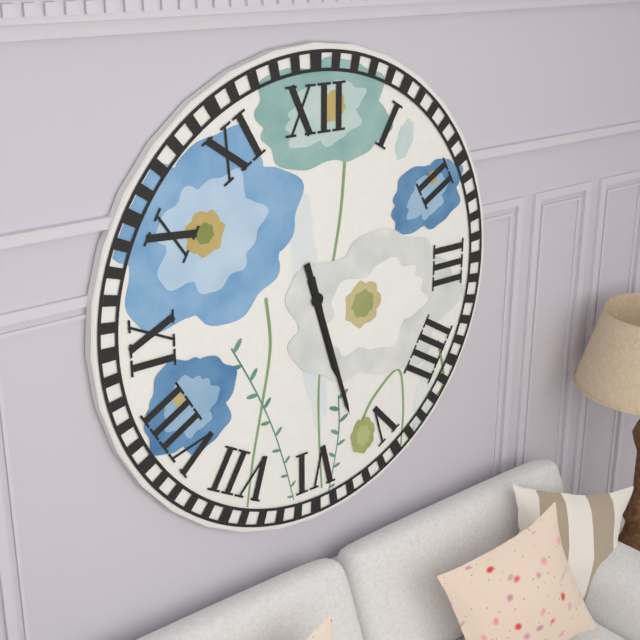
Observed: 5:27
